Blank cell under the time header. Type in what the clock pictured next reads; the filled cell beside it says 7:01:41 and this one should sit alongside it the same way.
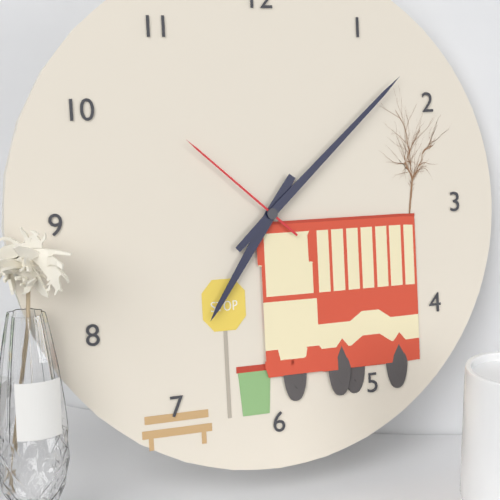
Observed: 7:08:52
